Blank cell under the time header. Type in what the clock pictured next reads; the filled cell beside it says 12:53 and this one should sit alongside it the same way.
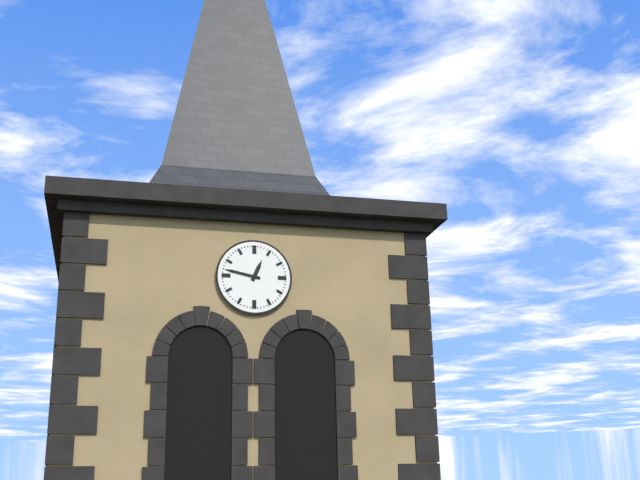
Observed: 12:47
